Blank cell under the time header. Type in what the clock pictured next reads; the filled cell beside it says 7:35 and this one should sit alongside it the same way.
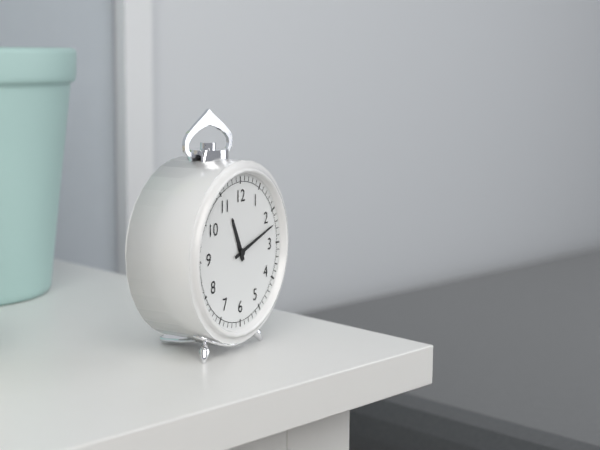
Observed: 11:12
